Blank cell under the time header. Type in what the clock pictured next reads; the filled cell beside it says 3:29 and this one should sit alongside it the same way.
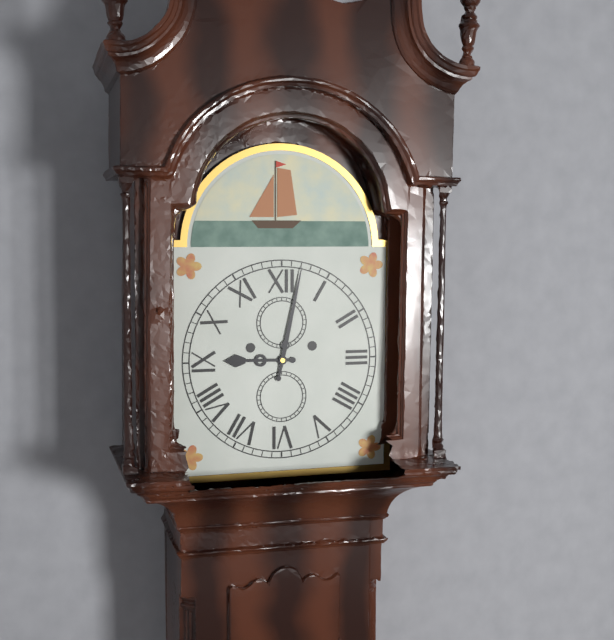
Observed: 9:02
